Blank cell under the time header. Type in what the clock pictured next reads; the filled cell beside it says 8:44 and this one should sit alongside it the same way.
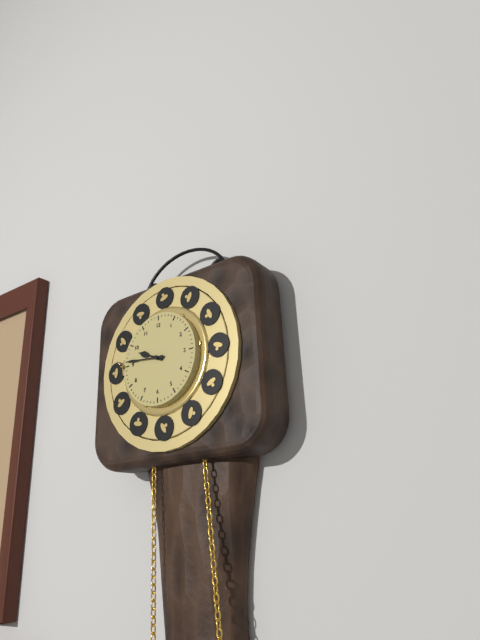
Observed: 9:46
